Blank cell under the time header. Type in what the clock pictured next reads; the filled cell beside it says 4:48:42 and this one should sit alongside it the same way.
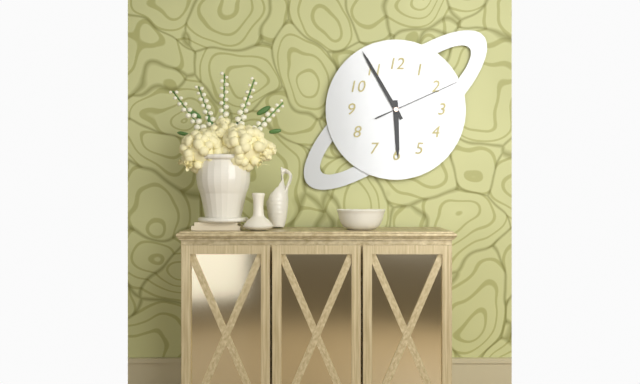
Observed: 5:55:11
